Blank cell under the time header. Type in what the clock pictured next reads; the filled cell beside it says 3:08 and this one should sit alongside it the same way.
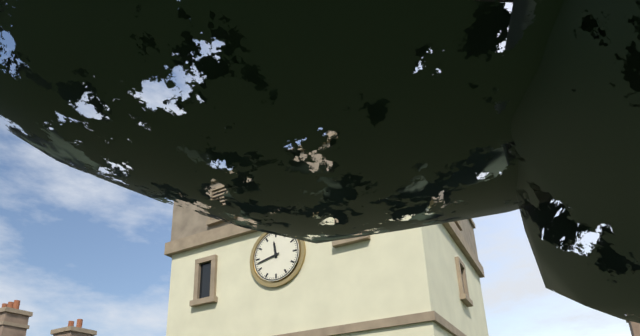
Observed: 11:43
